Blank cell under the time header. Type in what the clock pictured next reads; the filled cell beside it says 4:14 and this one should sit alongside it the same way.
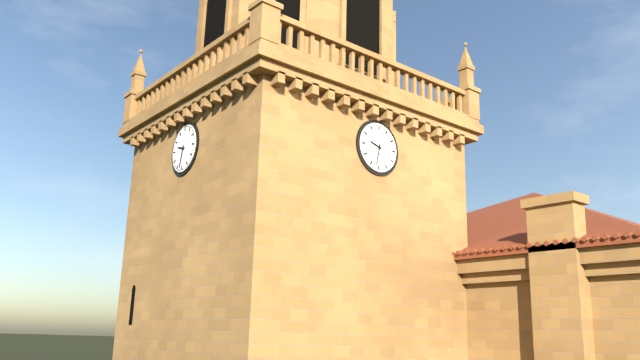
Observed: 9:32
